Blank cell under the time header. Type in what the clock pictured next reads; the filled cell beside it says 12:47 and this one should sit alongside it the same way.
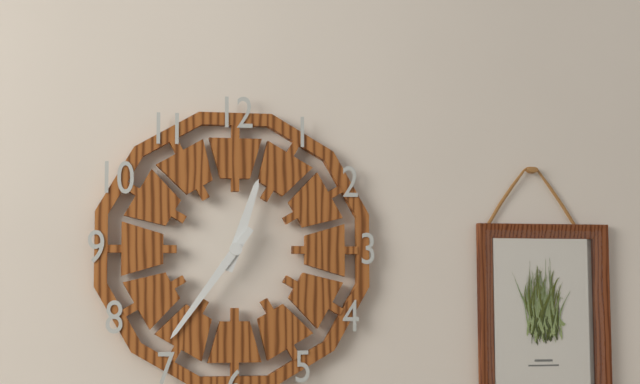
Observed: 12:36
